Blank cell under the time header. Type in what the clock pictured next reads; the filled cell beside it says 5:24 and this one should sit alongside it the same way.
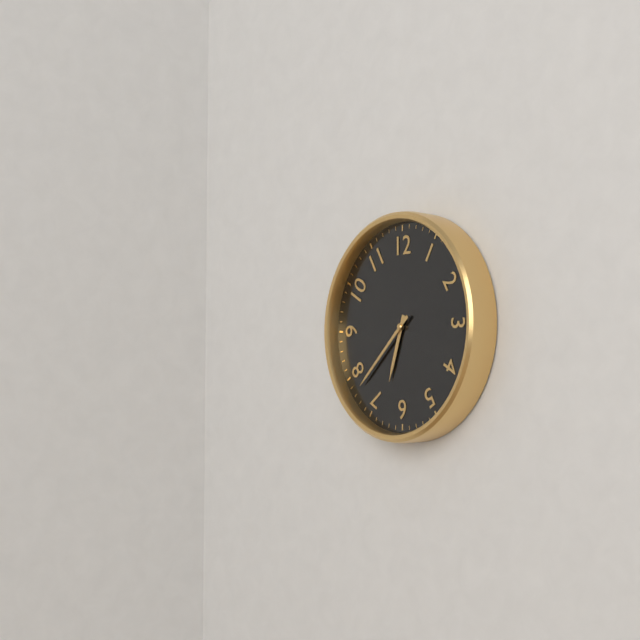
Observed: 6:38
